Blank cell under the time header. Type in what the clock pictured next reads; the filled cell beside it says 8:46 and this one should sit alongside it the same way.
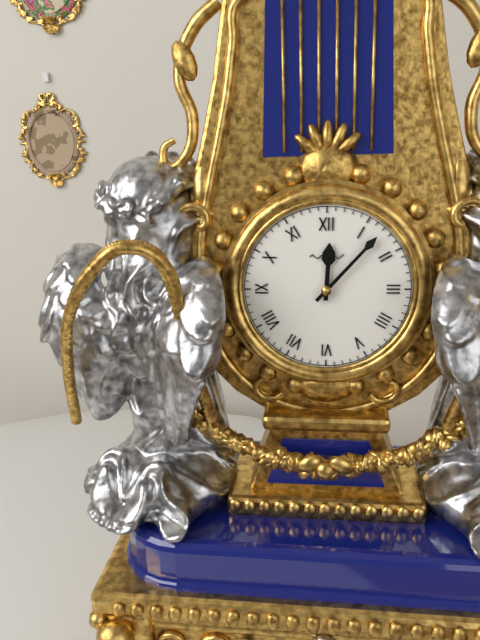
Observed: 12:07
